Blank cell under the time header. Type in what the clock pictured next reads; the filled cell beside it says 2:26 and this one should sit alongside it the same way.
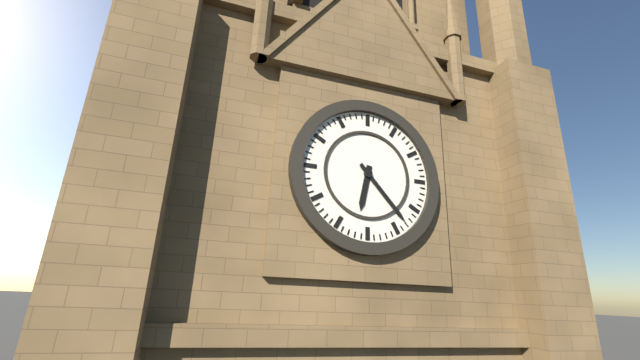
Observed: 6:23
